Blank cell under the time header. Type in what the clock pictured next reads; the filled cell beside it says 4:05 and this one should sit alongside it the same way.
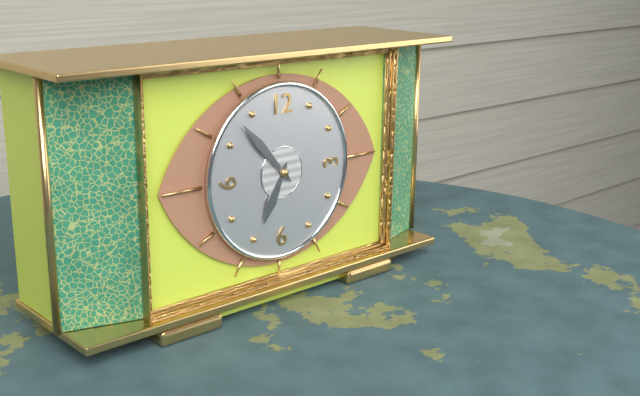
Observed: 6:53
